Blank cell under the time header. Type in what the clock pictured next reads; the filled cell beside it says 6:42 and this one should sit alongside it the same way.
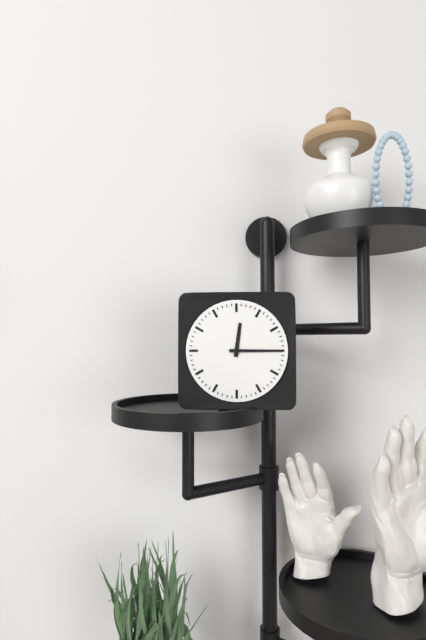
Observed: 12:15
